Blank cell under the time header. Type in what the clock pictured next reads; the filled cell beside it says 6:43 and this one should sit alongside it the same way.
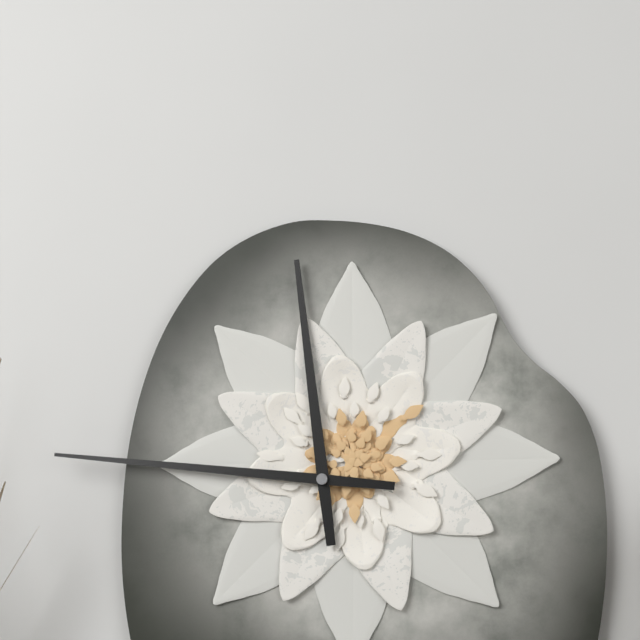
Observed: 11:46
